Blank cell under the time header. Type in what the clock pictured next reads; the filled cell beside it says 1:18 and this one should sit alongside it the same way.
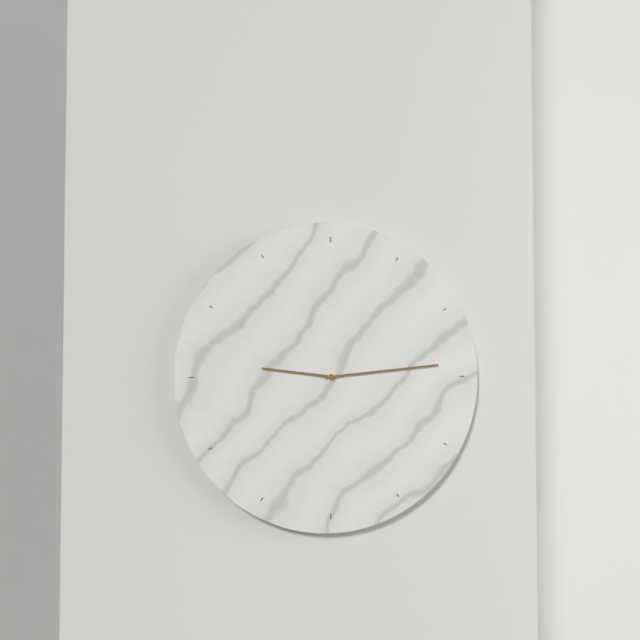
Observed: 9:14
